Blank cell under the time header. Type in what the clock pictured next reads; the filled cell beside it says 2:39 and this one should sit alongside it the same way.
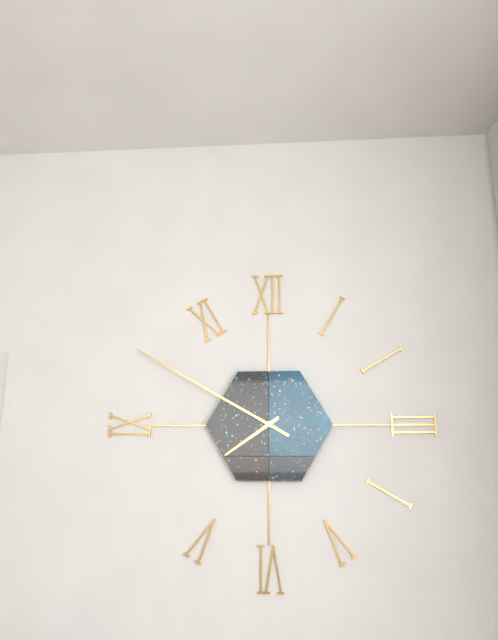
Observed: 7:50
